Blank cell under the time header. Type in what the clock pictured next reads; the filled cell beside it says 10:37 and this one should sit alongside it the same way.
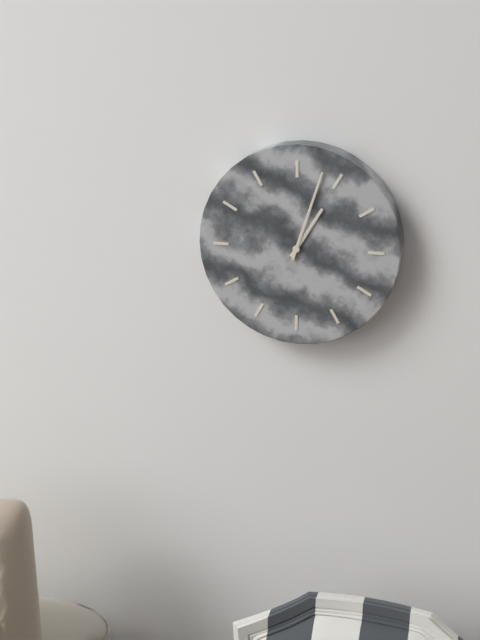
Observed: 1:03
